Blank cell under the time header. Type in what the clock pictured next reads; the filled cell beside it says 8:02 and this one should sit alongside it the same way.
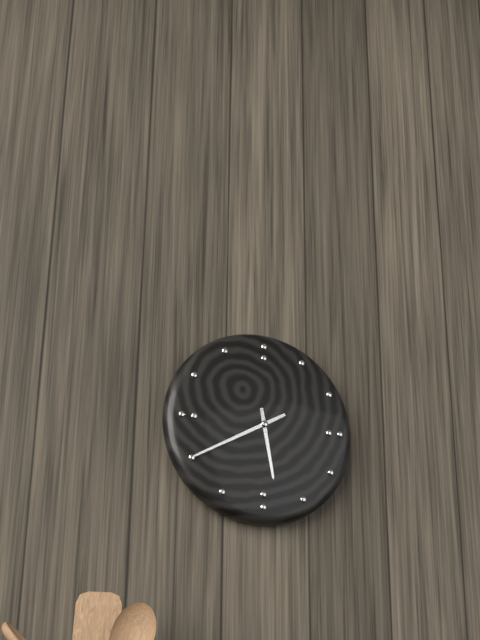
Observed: 5:40
